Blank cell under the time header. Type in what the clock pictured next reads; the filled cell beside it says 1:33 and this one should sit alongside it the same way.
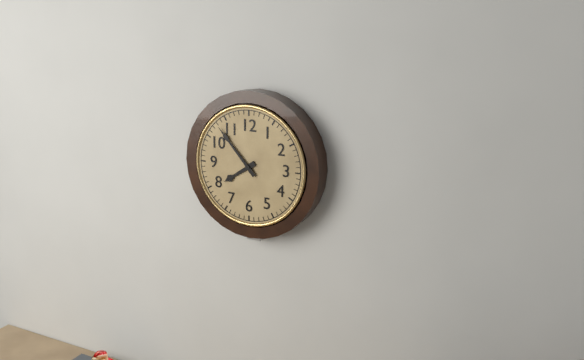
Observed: 7:53
